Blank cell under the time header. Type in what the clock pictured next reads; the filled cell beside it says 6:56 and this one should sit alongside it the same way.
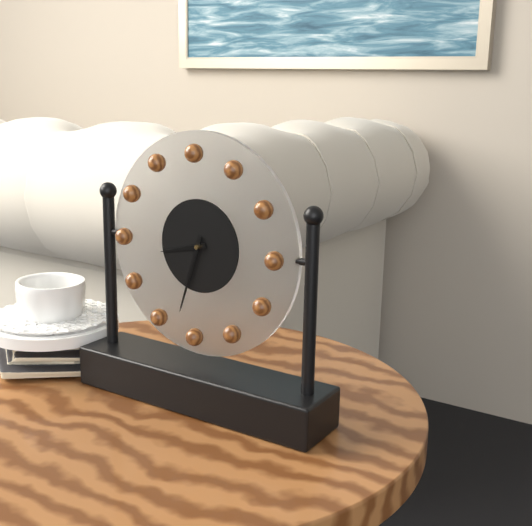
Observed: 8:33
